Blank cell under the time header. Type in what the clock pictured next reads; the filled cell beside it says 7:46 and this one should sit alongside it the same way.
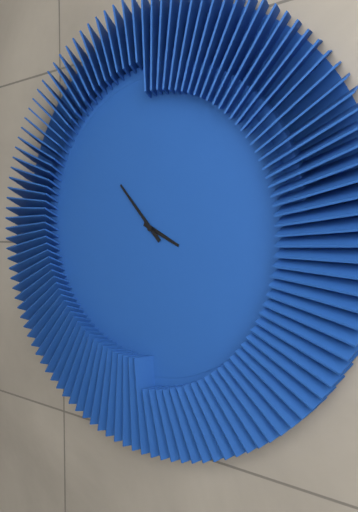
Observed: 3:53
